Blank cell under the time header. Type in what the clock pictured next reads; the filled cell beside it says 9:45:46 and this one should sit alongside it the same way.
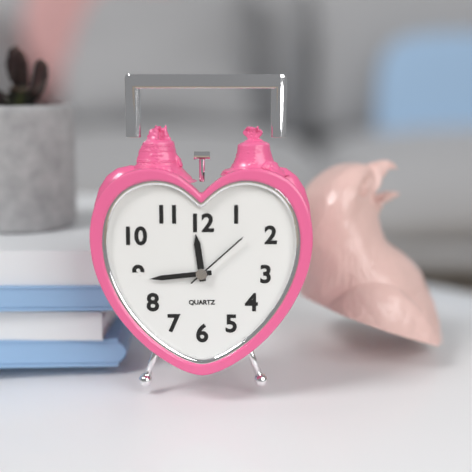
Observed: 11:44:08
